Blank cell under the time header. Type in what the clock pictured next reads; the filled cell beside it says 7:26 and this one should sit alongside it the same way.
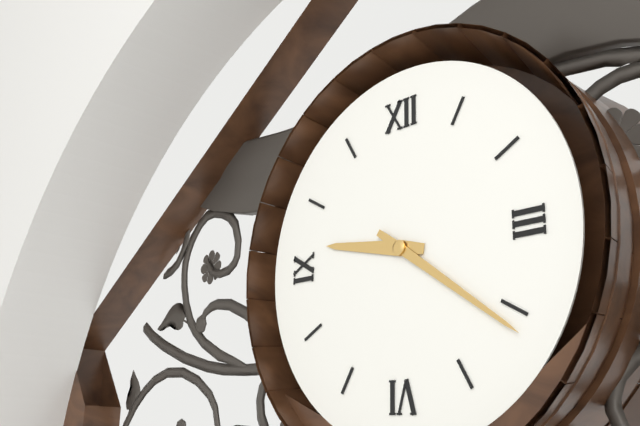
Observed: 9:21
